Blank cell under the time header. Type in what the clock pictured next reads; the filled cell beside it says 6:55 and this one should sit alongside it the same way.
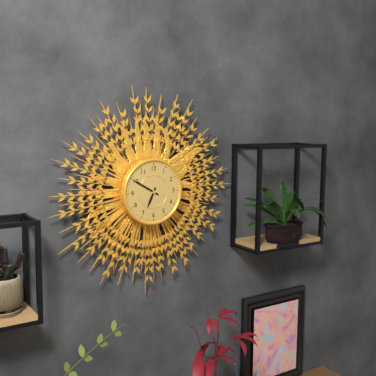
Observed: 6:50
